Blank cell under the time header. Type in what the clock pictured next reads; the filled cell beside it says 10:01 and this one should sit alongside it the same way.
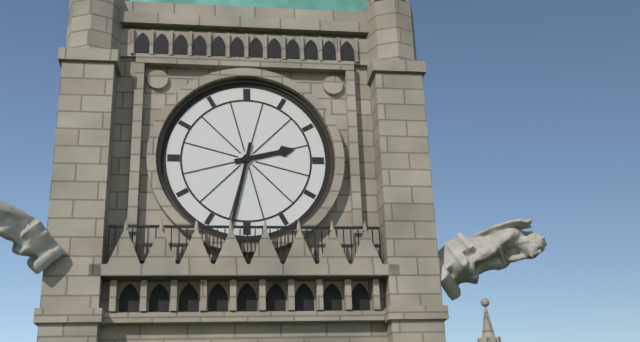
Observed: 2:32
